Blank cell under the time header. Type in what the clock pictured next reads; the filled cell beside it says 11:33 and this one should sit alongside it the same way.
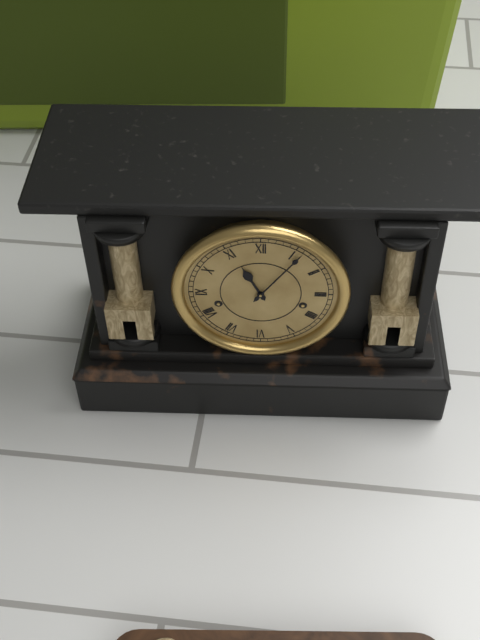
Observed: 11:06
